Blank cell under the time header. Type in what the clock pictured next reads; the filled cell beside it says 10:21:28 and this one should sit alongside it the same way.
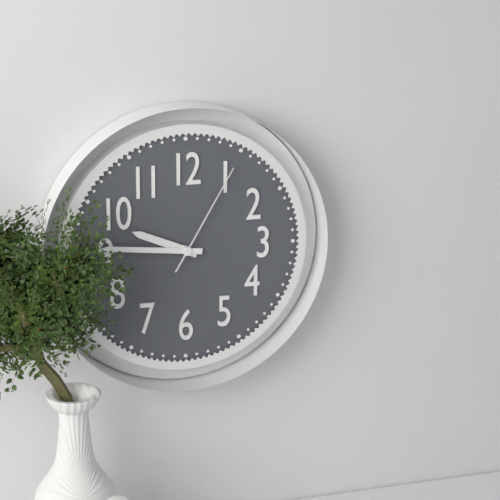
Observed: 9:46:05
